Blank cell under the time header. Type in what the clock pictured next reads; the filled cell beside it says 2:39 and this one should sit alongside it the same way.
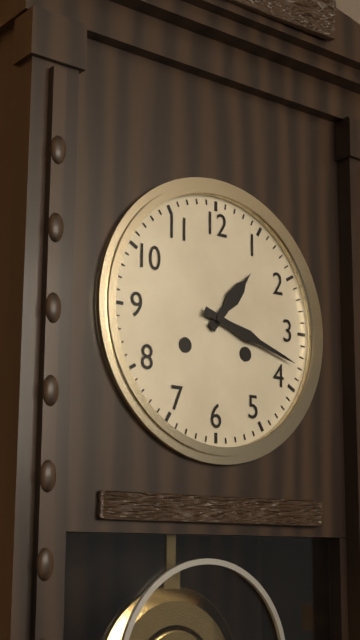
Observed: 1:18
